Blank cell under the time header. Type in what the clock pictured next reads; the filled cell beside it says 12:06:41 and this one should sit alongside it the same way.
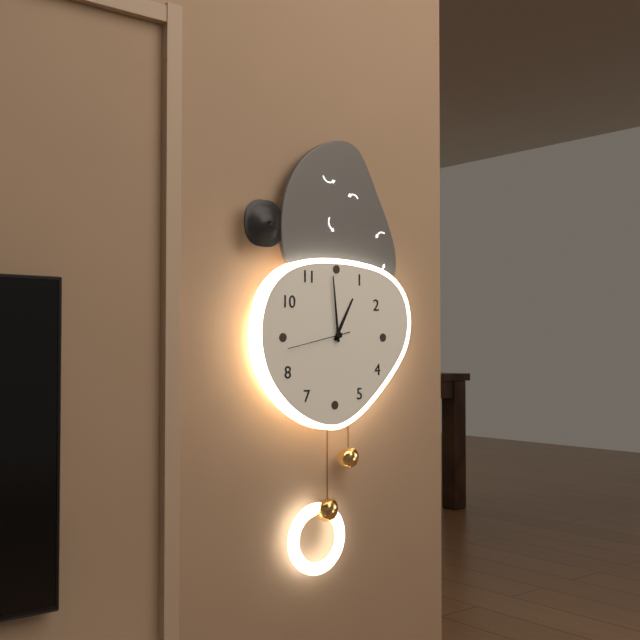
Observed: 12:59:43
